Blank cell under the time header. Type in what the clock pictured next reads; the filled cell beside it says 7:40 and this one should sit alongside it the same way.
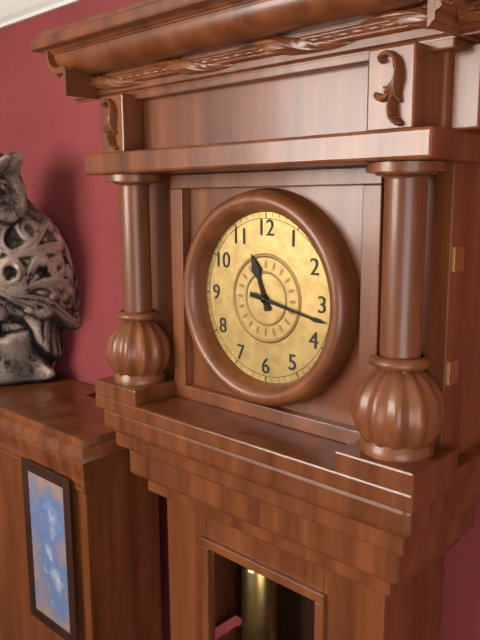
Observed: 11:17
